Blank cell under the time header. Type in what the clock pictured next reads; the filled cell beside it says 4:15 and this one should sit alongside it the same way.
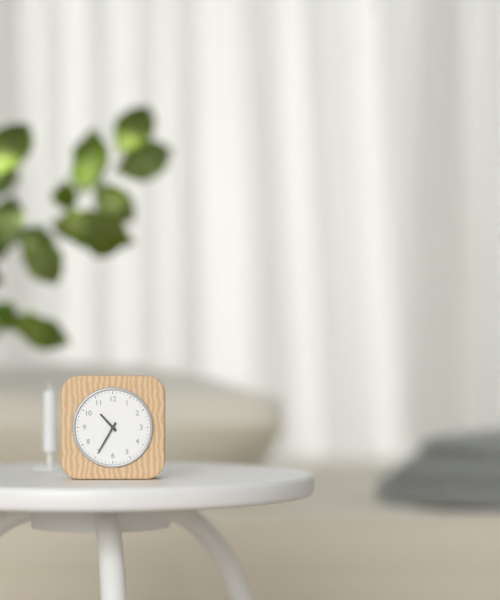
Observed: 10:35
